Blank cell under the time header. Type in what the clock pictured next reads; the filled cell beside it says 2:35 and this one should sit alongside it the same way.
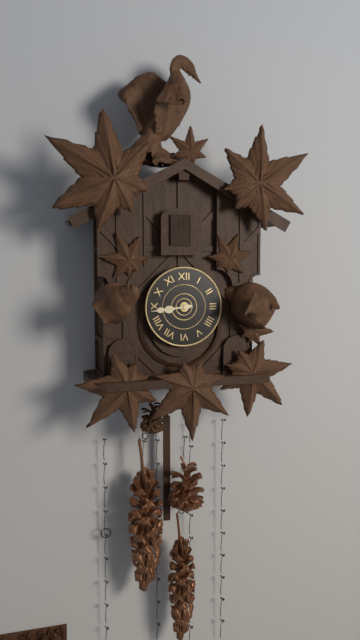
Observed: 8:44
